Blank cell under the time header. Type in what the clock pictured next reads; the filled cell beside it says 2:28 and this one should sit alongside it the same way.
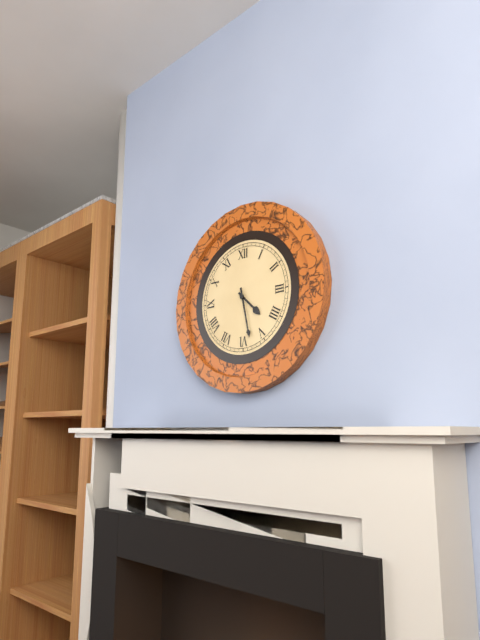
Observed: 4:28
